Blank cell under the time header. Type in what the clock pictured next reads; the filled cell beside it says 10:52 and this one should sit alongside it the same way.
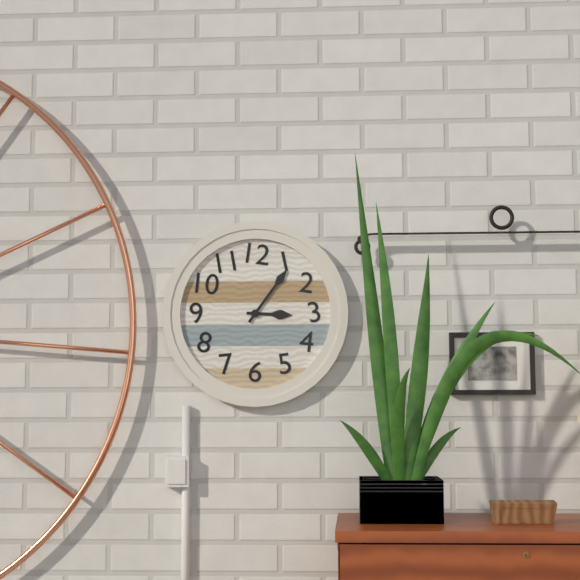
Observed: 3:06
